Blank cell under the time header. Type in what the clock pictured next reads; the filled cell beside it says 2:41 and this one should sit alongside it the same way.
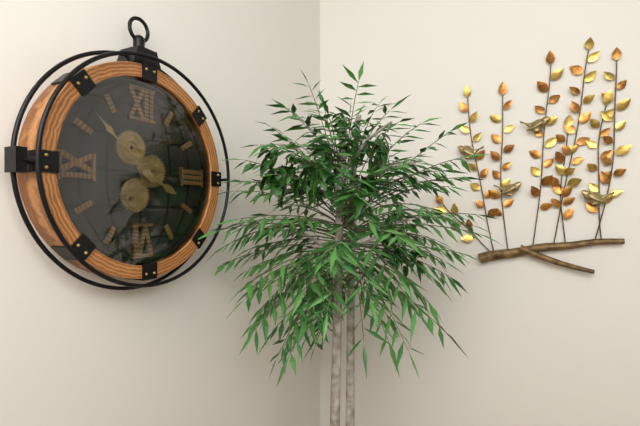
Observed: 3:52
